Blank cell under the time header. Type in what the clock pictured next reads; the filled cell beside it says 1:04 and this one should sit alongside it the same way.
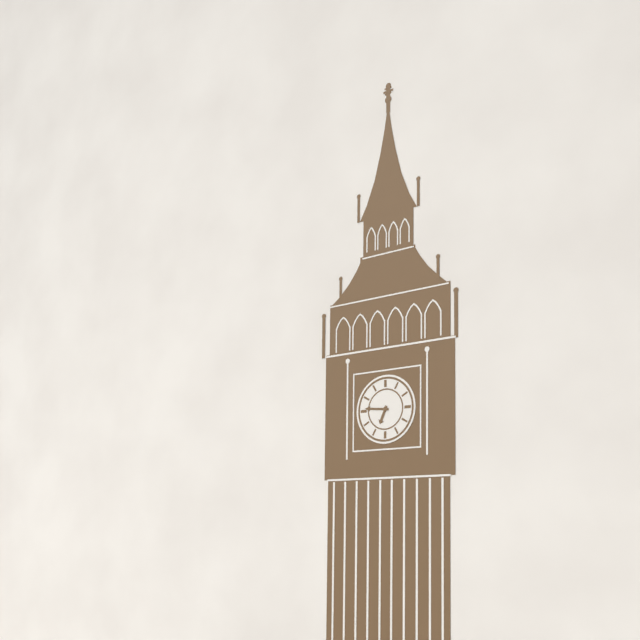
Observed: 6:46
